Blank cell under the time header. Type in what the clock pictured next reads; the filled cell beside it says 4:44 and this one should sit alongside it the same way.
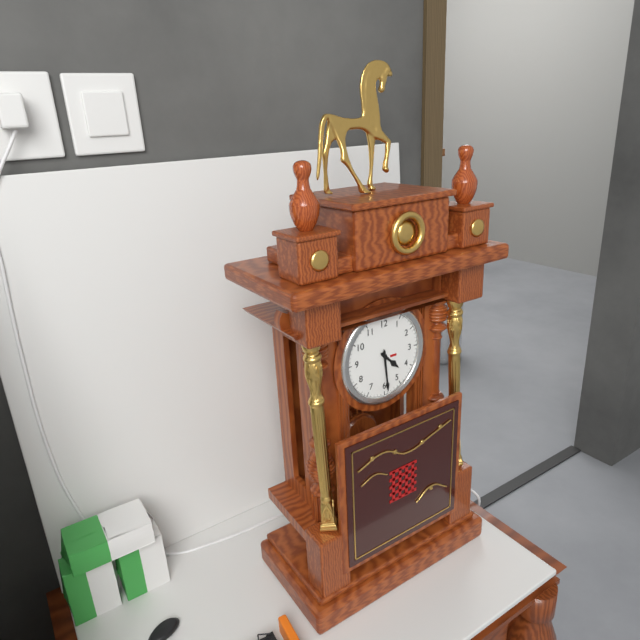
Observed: 4:29
